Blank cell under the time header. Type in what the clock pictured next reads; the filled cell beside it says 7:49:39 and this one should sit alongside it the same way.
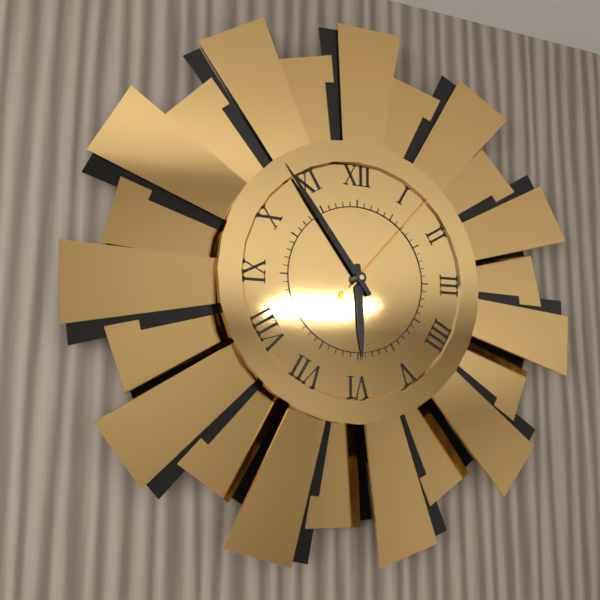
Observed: 5:54:07
